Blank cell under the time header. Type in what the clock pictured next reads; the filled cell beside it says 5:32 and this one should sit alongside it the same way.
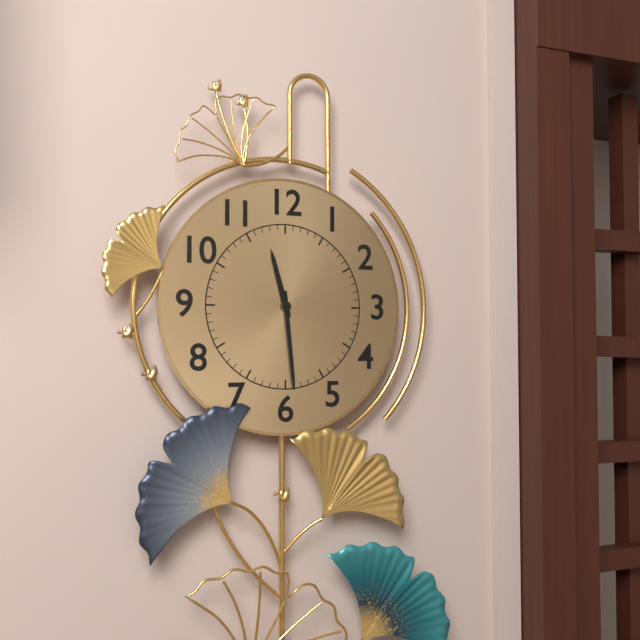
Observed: 11:29
